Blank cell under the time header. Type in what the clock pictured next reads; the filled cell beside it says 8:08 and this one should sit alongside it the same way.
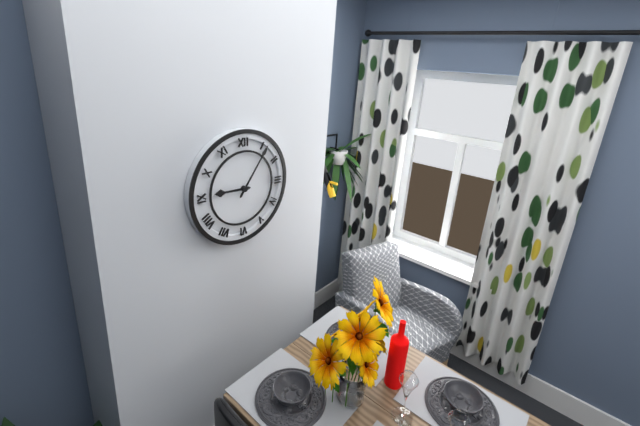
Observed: 9:06
